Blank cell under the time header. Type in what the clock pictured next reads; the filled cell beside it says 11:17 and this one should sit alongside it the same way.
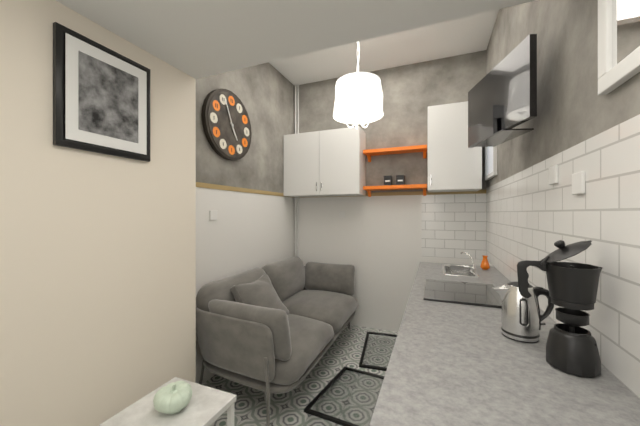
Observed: 4:56
